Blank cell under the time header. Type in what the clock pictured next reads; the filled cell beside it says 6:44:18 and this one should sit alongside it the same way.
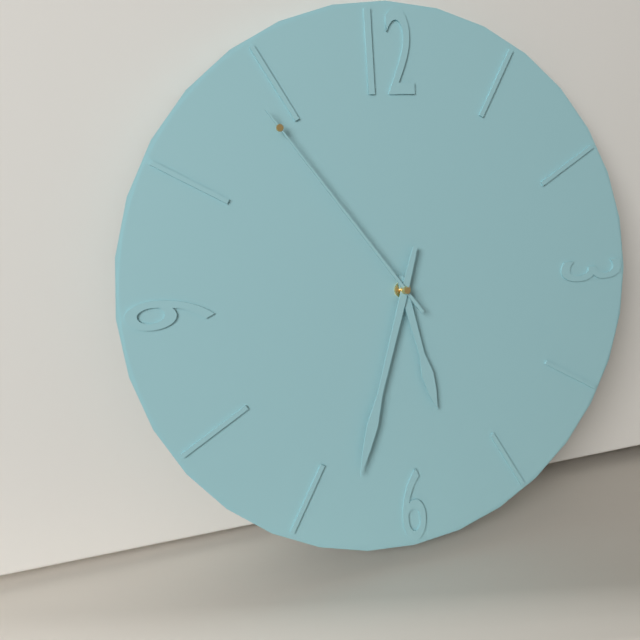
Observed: 5:33:54
